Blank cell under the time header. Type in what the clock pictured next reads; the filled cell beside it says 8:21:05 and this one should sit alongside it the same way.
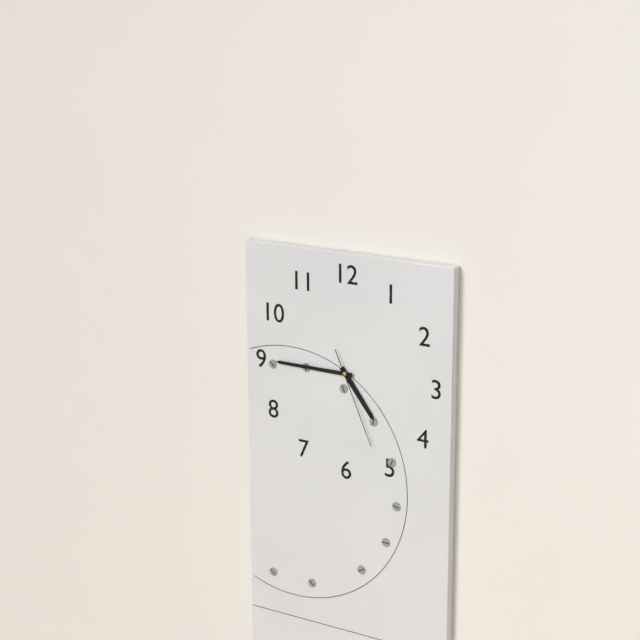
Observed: 4:45:26
